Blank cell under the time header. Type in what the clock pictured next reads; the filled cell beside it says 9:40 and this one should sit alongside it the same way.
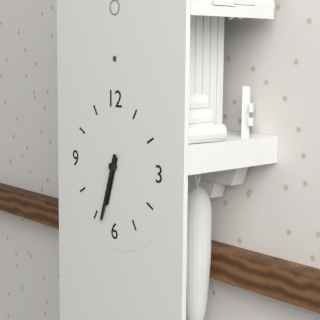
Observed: 6:33
